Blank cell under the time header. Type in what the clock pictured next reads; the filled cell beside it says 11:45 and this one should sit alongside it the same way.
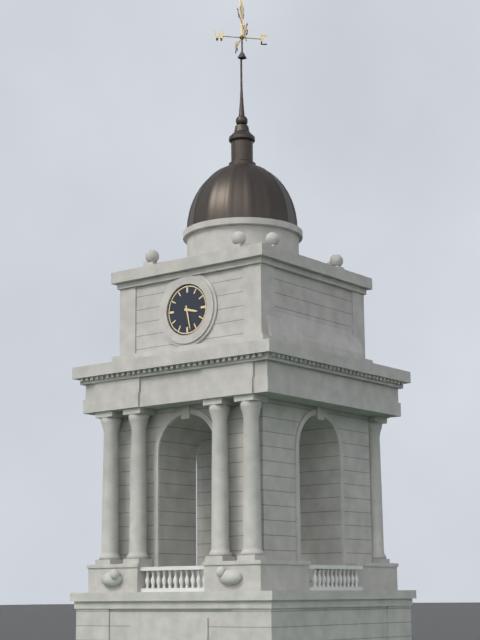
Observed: 3:28
